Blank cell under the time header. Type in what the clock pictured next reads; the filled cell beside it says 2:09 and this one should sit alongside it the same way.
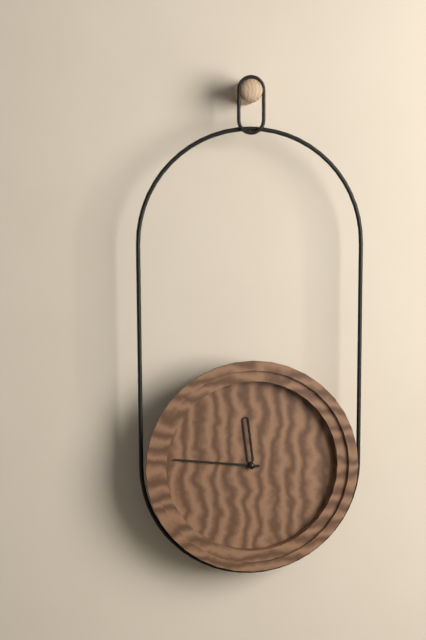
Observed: 11:46
